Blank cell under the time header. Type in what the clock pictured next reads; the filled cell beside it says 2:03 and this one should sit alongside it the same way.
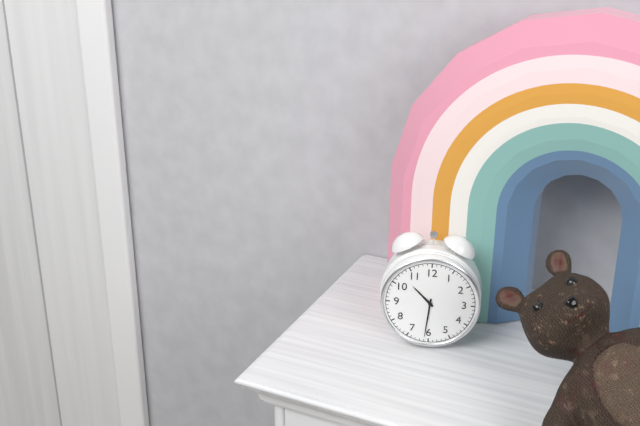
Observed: 10:31
